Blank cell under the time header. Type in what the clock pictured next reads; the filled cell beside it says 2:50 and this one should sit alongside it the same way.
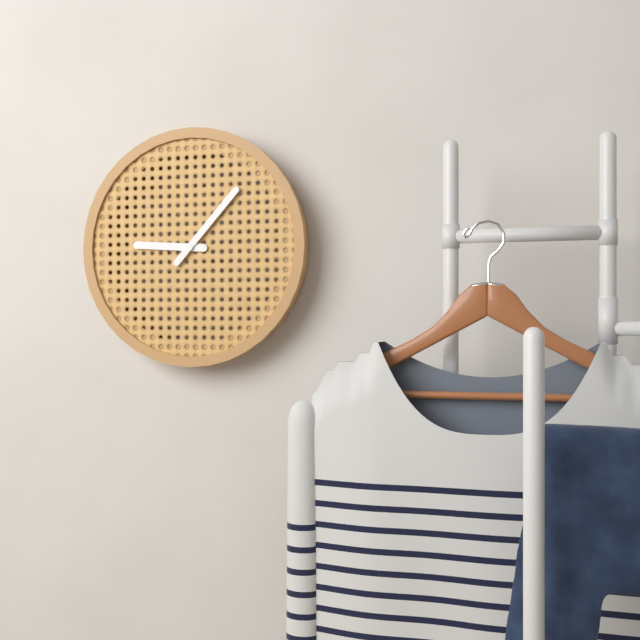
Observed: 9:07
